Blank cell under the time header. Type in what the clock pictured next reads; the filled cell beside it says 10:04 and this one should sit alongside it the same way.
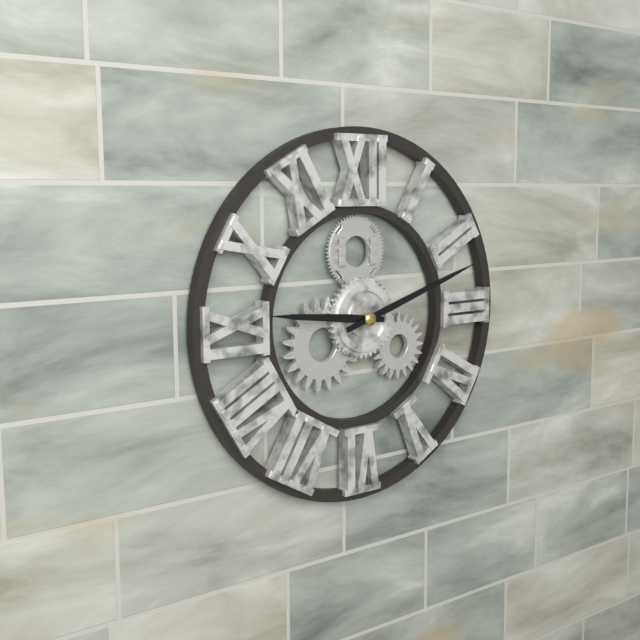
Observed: 9:12
